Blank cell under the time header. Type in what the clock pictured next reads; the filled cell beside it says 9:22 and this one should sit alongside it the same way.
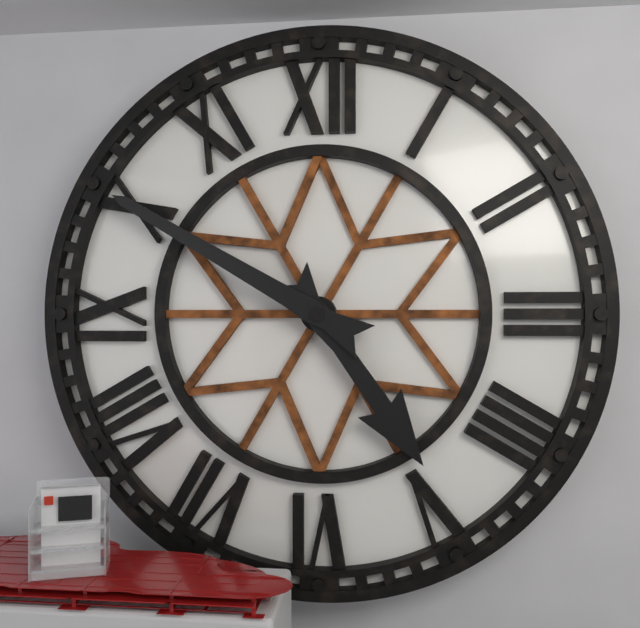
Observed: 4:50
